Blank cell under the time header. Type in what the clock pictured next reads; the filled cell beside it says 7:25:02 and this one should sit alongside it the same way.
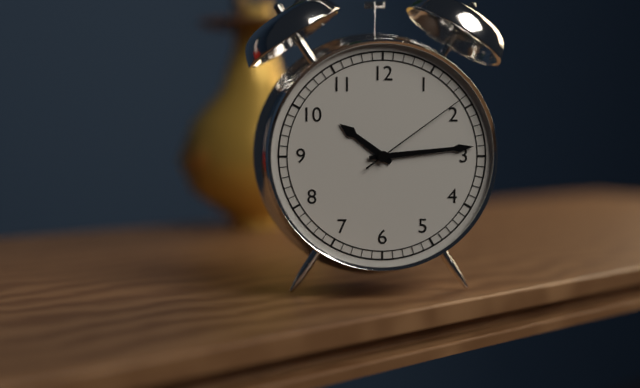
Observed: 10:14:09
